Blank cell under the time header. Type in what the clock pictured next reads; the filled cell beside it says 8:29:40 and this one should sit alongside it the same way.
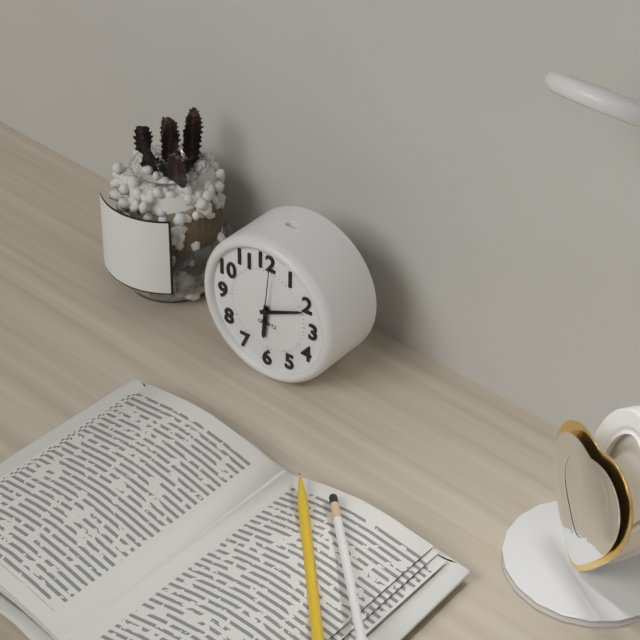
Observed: 6:11:01
